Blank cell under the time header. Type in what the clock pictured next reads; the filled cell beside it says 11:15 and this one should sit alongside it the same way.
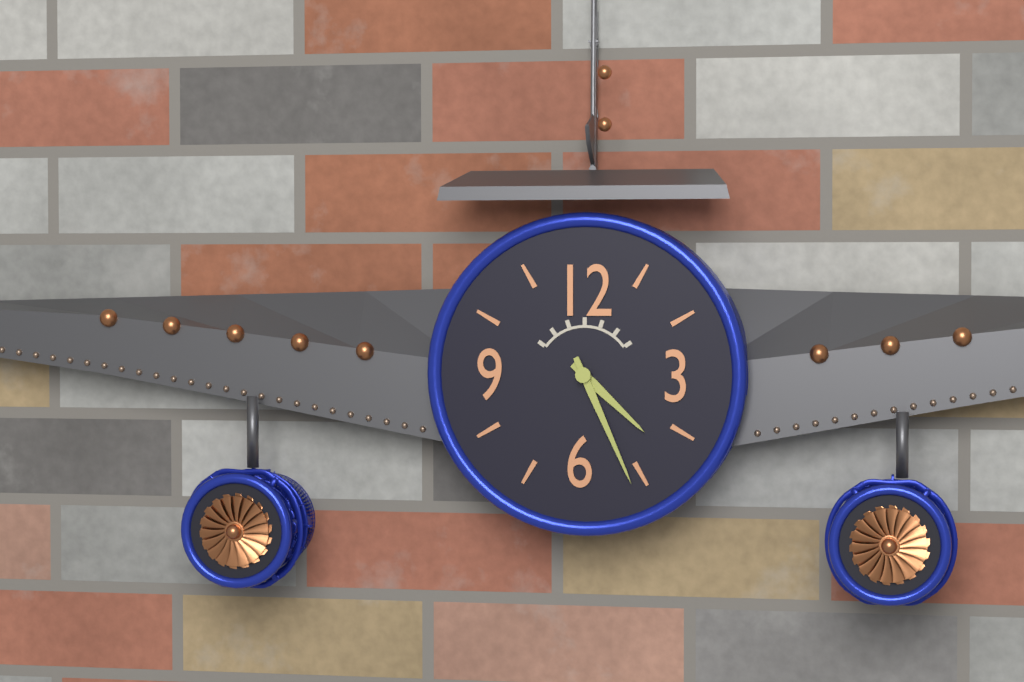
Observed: 4:26
